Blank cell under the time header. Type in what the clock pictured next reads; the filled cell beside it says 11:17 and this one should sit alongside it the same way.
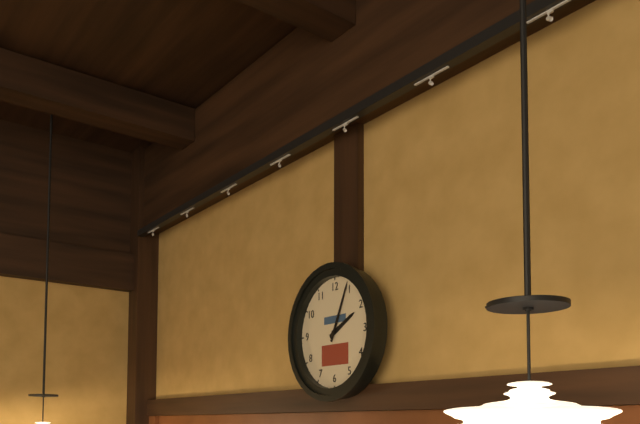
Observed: 2:04
